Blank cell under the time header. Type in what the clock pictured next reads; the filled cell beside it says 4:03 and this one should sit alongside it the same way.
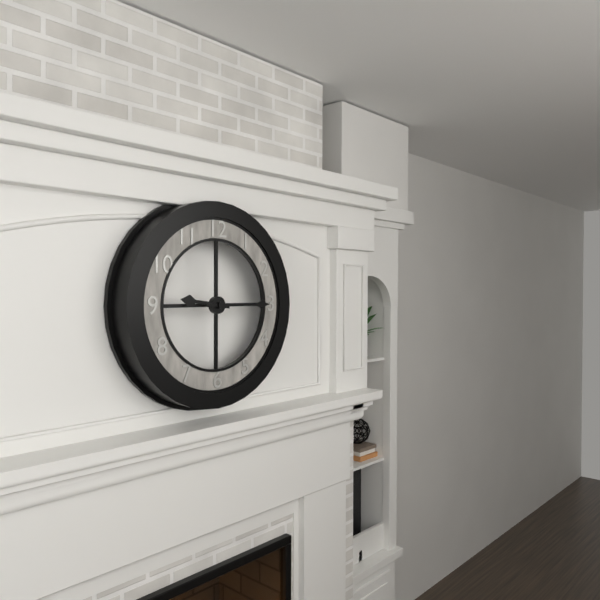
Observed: 9:15
